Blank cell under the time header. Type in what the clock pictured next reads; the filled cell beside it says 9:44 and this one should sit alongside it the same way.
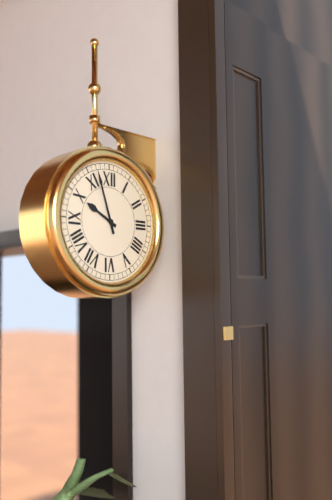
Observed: 9:57
